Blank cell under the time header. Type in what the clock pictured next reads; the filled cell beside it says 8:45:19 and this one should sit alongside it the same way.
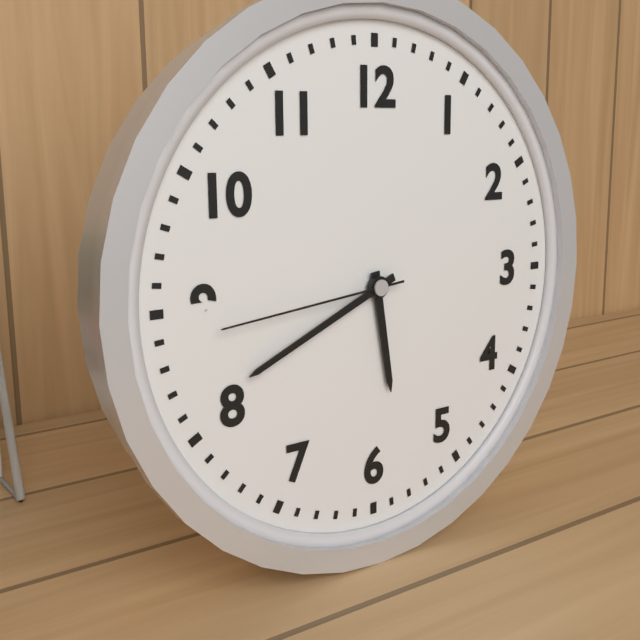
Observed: 5:41:44
